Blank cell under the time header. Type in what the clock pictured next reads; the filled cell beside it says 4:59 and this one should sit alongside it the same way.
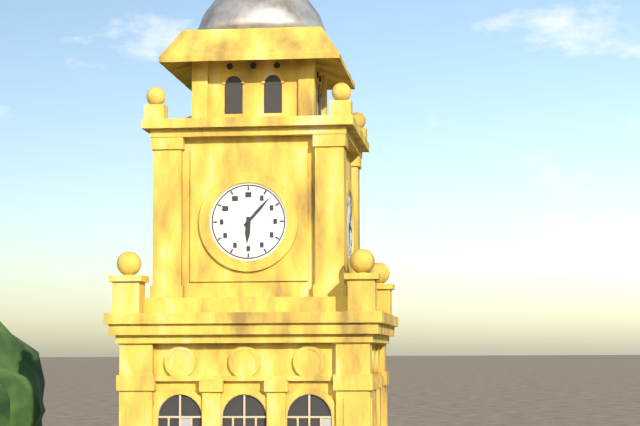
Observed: 6:07
